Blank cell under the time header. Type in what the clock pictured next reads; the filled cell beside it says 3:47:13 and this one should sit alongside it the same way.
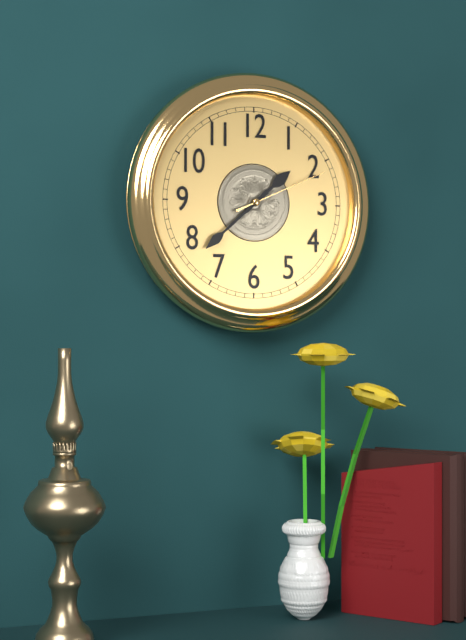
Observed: 1:38:11
